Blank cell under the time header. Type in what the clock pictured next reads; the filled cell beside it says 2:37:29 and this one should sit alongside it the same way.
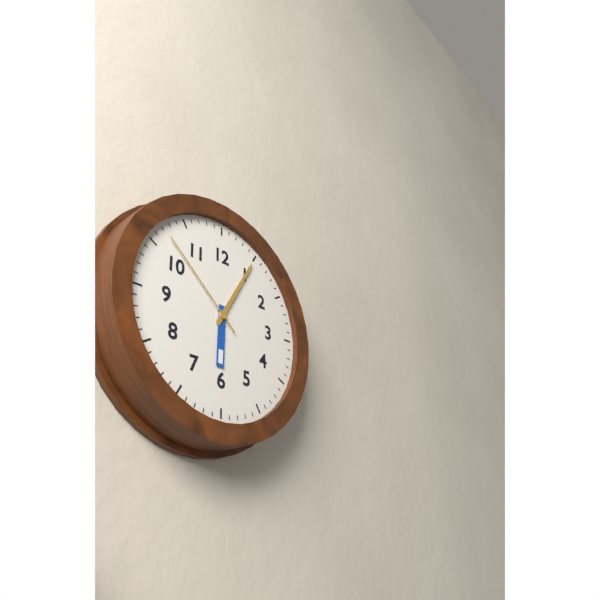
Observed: 6:05:52
